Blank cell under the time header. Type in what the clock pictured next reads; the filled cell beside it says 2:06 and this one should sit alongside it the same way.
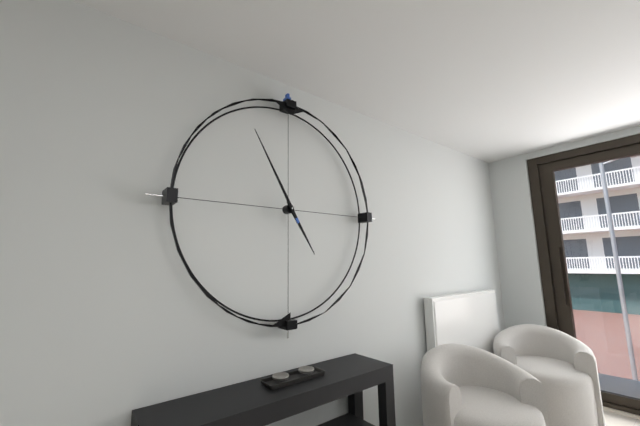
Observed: 4:55
